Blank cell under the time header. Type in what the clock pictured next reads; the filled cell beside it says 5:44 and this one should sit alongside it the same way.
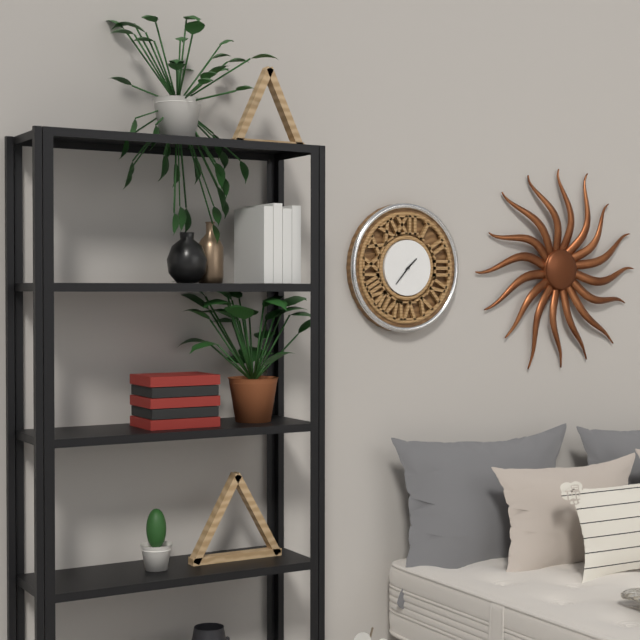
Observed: 1:37
